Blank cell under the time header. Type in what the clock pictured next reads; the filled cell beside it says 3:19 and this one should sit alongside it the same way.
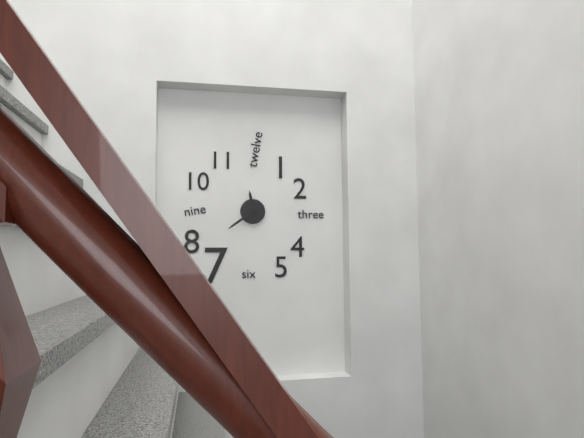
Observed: 11:39
